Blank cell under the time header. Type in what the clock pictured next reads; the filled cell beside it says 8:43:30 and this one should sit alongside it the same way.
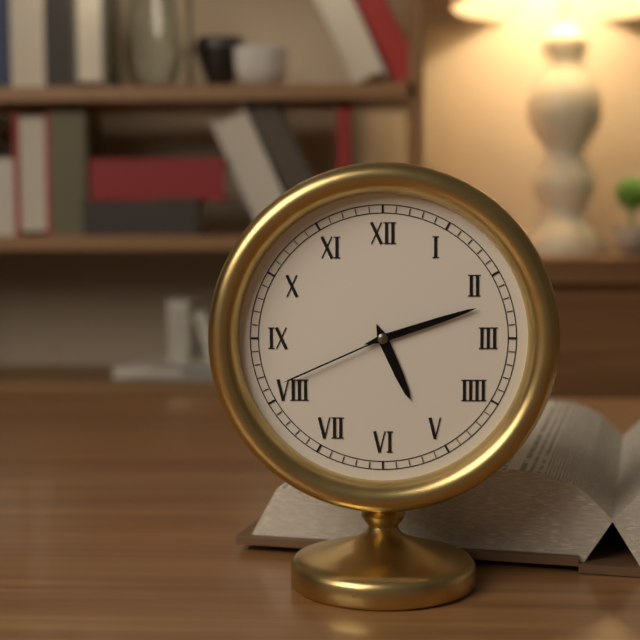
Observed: 5:12:41
